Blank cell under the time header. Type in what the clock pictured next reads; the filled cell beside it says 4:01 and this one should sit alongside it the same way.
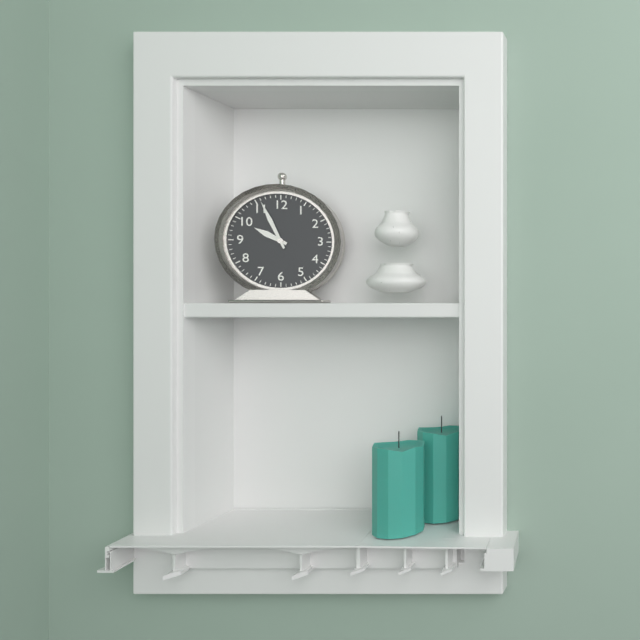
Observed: 9:56
